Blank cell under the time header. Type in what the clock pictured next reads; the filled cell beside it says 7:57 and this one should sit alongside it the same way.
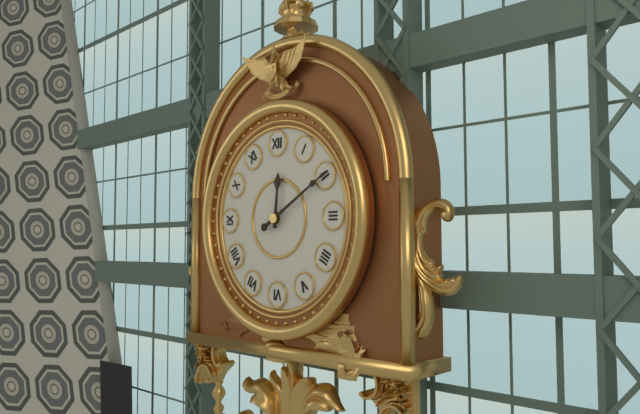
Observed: 12:10
